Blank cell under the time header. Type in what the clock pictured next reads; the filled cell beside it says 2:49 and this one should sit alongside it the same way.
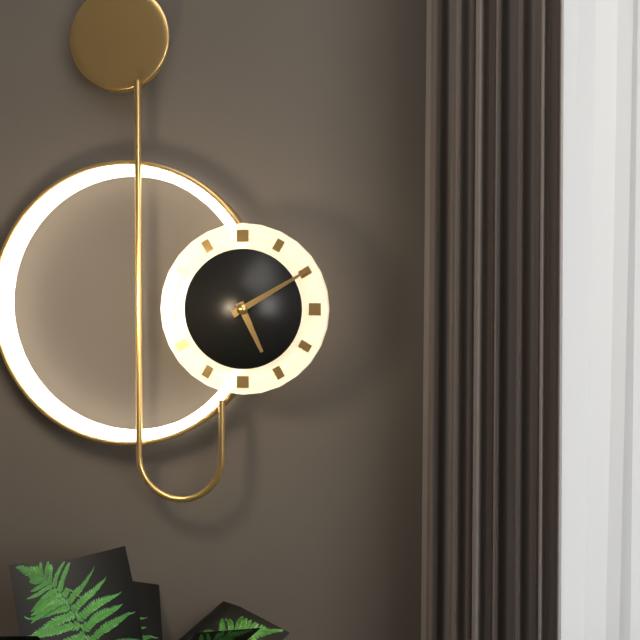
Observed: 5:10
